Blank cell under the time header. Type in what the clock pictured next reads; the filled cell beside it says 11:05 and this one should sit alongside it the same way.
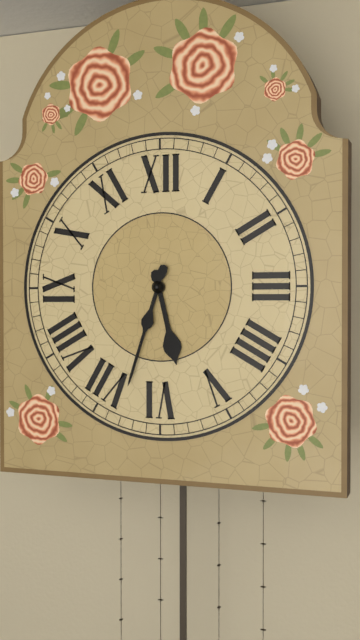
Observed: 5:33
